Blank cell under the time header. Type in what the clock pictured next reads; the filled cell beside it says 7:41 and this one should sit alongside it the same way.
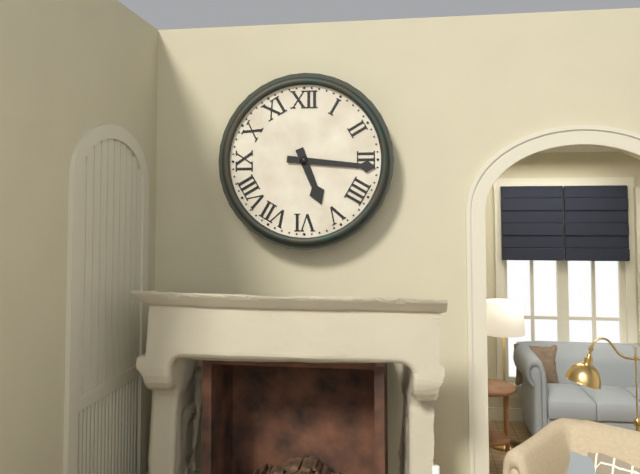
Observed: 5:16
